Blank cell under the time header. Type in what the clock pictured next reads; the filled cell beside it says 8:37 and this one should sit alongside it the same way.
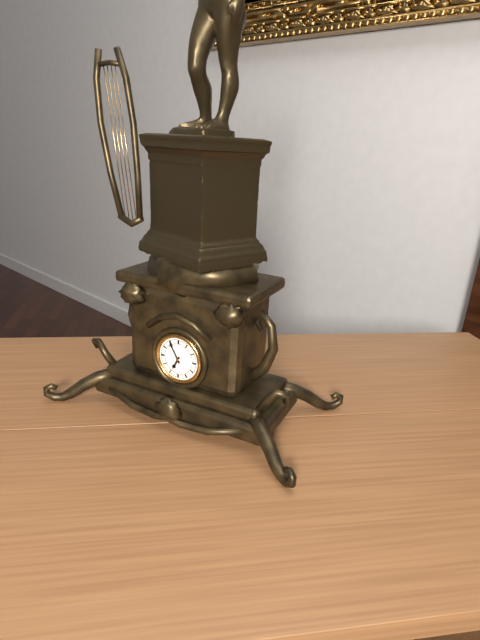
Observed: 6:55
